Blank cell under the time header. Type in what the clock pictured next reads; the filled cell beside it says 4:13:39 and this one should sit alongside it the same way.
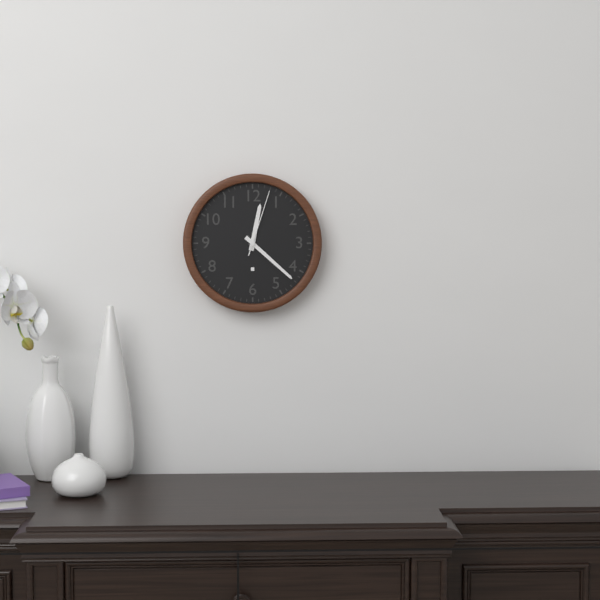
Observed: 12:22:03
